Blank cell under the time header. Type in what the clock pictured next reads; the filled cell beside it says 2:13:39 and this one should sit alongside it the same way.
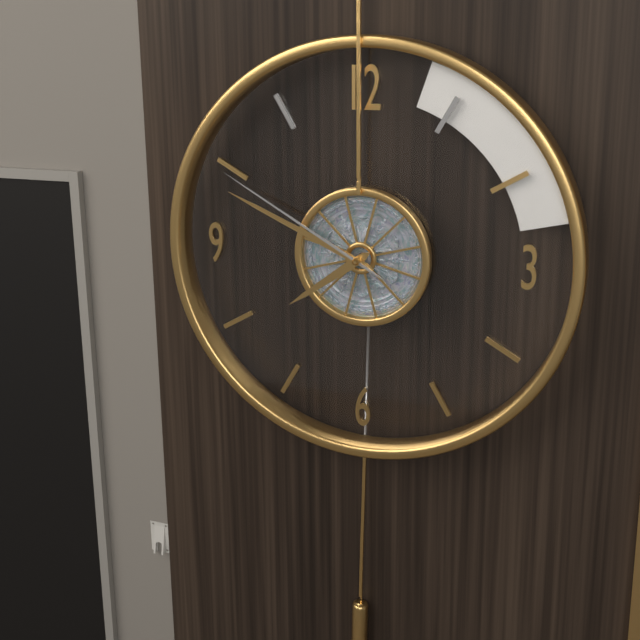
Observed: 7:49:50
